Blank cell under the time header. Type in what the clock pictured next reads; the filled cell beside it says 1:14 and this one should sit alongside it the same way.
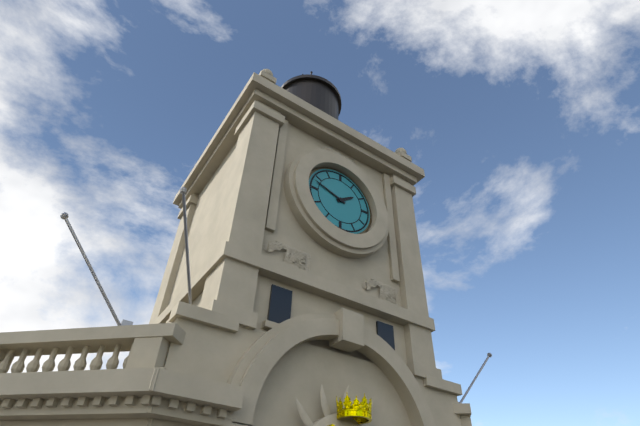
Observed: 1:48
